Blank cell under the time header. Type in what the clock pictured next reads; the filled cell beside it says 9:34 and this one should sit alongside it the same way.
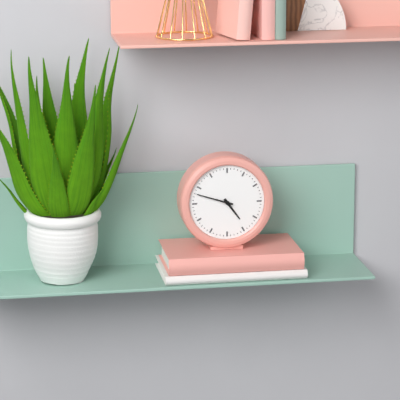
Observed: 4:48
